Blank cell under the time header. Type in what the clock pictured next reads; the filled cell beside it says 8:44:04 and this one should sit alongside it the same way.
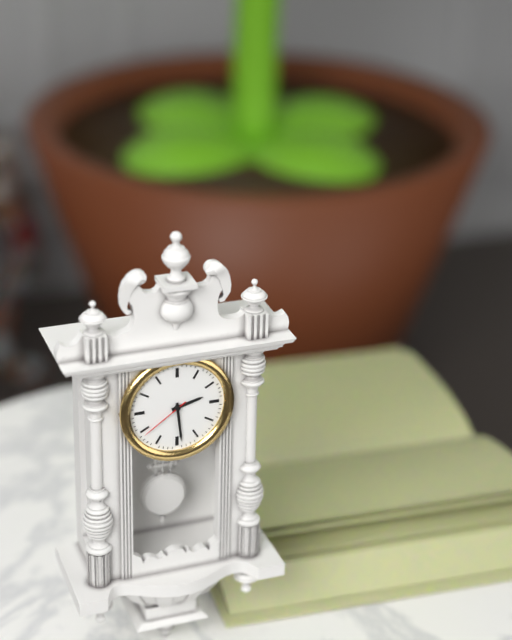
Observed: 2:29:39
